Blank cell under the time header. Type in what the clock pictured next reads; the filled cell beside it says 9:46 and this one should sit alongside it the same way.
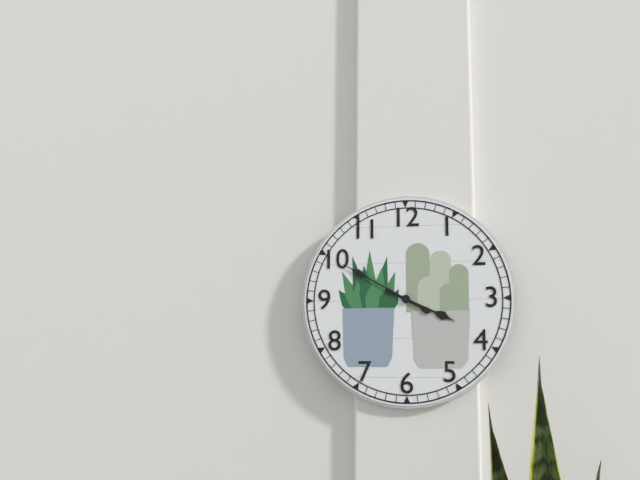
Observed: 3:50
